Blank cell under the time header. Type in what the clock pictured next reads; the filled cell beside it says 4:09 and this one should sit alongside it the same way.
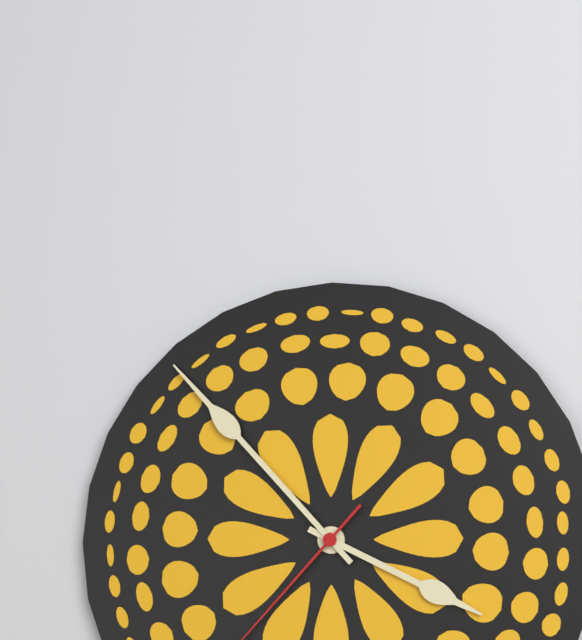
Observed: 3:53
